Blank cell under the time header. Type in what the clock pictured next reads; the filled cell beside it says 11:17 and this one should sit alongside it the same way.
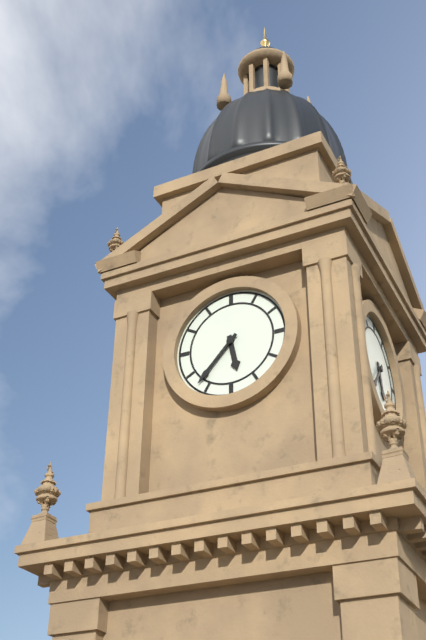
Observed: 5:37
